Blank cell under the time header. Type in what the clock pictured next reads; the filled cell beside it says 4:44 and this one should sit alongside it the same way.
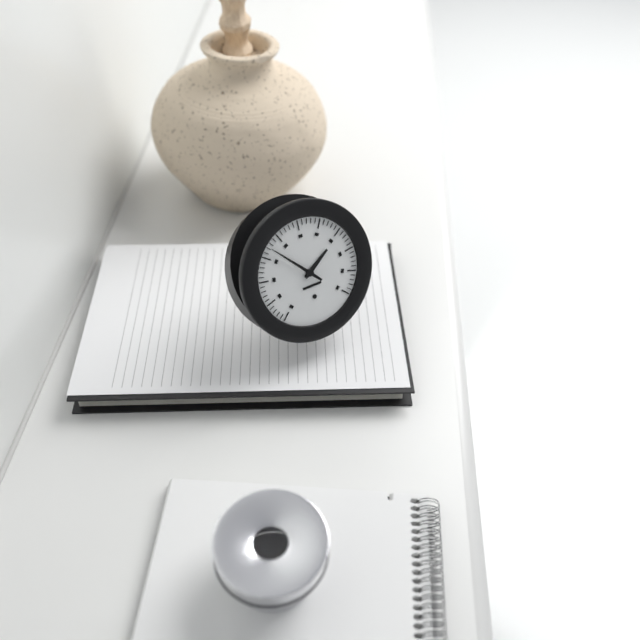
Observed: 1:53
